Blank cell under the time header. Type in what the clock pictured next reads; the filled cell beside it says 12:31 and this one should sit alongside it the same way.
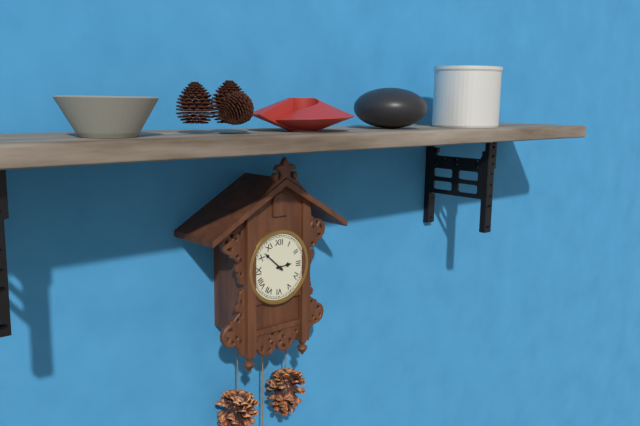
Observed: 2:52
